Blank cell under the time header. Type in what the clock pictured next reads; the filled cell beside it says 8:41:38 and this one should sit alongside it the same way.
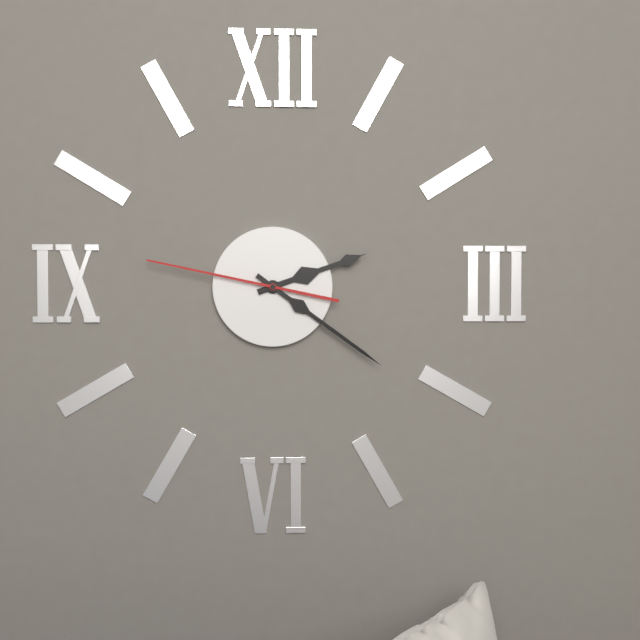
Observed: 2:21:47
